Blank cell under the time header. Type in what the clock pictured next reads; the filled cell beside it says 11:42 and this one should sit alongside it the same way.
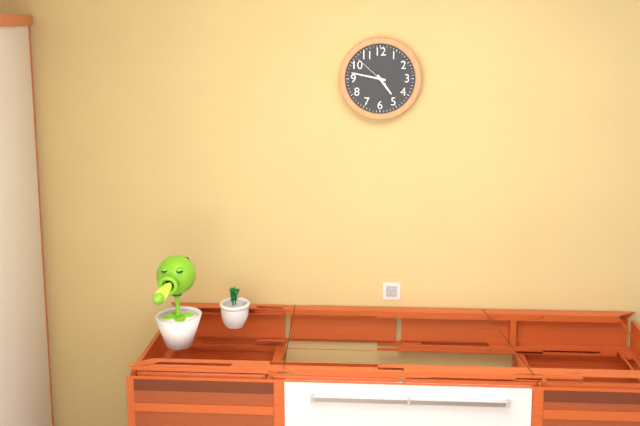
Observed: 4:47
